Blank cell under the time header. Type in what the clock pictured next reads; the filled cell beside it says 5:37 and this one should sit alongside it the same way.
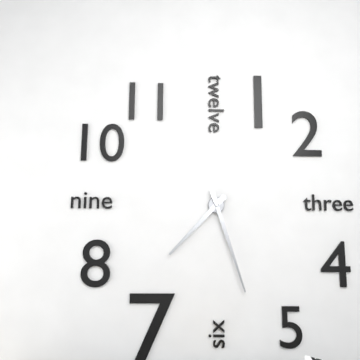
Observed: 7:27
